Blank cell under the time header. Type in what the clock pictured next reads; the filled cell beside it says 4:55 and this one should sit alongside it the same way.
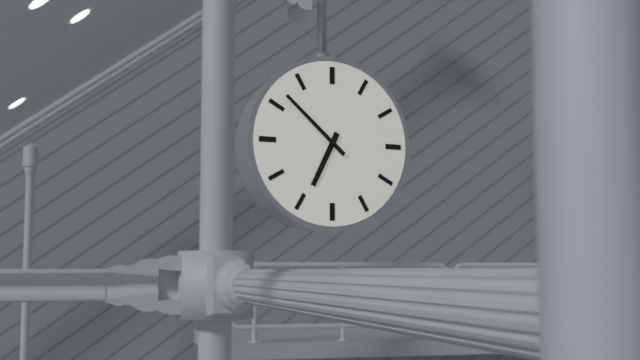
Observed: 6:52
